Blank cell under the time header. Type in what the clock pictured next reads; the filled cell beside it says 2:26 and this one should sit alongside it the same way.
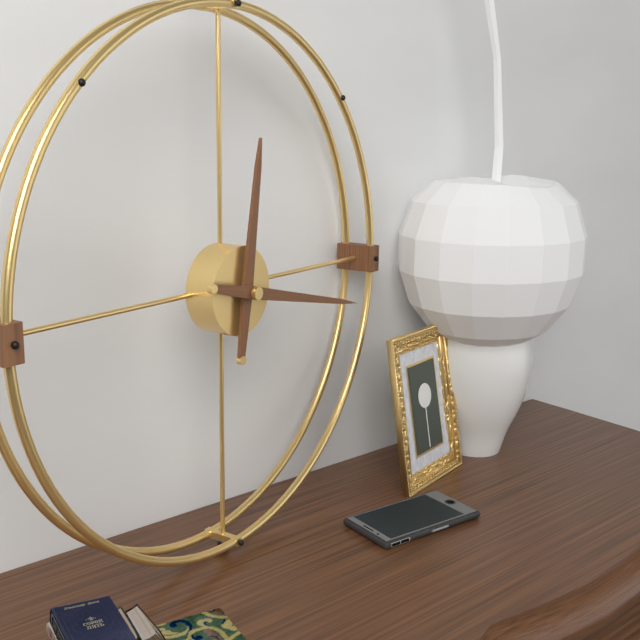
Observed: 12:17
